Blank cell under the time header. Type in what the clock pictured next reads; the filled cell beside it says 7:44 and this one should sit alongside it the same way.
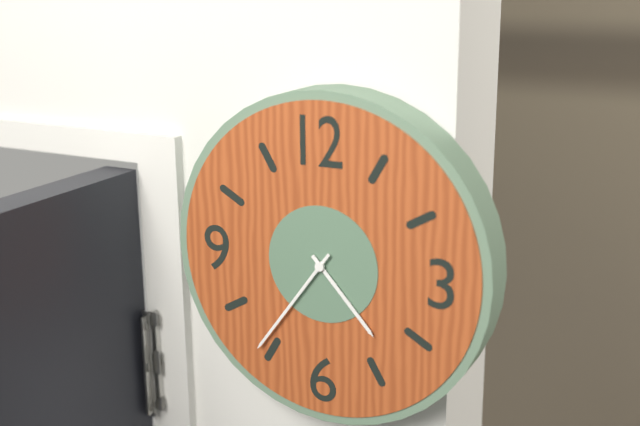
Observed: 4:36
